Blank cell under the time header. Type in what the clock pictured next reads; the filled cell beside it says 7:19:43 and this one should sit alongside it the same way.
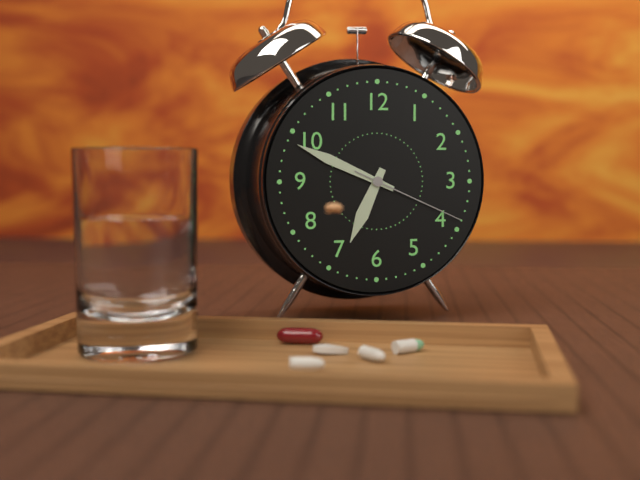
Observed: 6:49:19
